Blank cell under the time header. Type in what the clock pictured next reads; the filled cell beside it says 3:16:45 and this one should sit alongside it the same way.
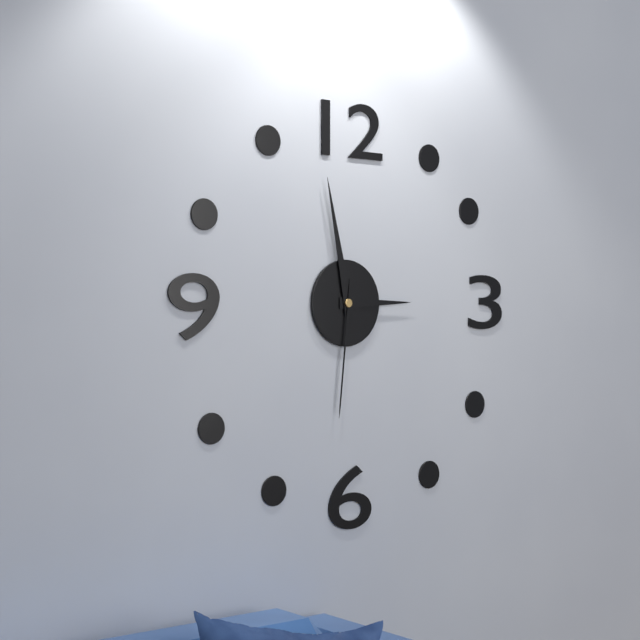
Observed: 2:58:31
